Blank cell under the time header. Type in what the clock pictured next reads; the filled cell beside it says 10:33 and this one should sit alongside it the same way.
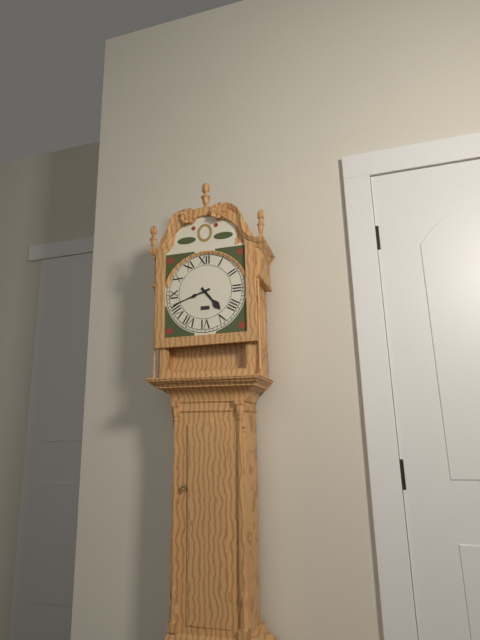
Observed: 4:42
